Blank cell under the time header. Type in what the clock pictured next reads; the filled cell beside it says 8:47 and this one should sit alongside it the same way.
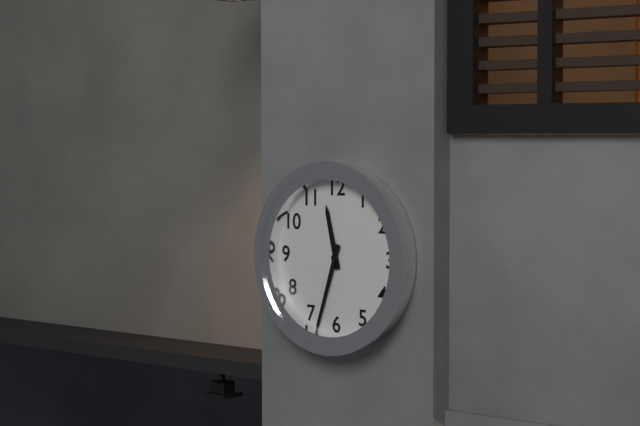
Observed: 11:33
